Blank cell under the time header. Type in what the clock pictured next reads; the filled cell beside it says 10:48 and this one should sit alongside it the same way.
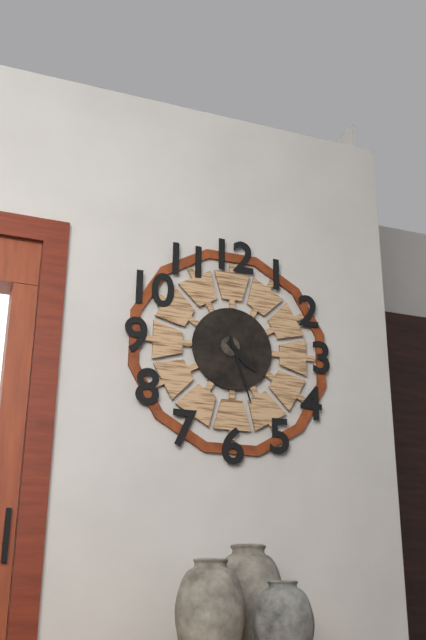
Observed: 4:27
